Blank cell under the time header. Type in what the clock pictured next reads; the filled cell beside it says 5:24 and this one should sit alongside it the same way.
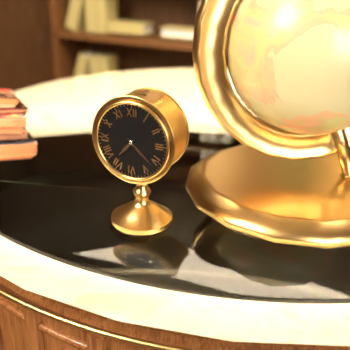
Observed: 7:22
